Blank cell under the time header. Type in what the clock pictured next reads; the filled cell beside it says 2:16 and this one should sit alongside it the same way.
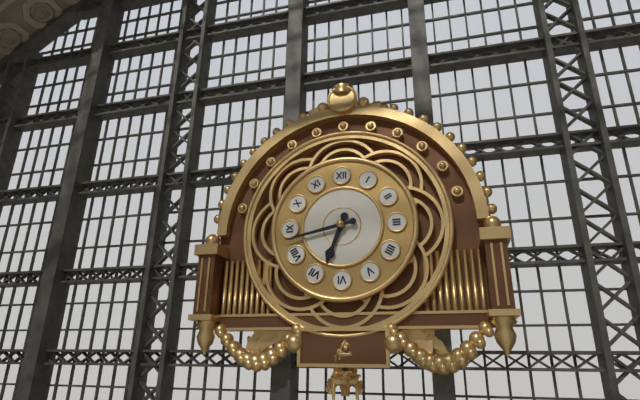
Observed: 6:43
